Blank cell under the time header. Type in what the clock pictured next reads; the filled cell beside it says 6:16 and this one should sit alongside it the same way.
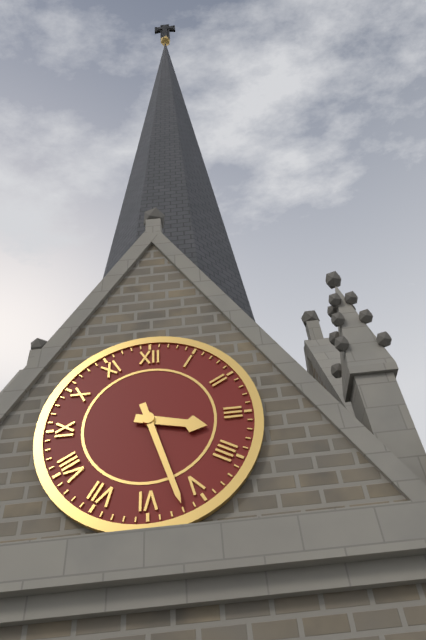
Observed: 3:27
